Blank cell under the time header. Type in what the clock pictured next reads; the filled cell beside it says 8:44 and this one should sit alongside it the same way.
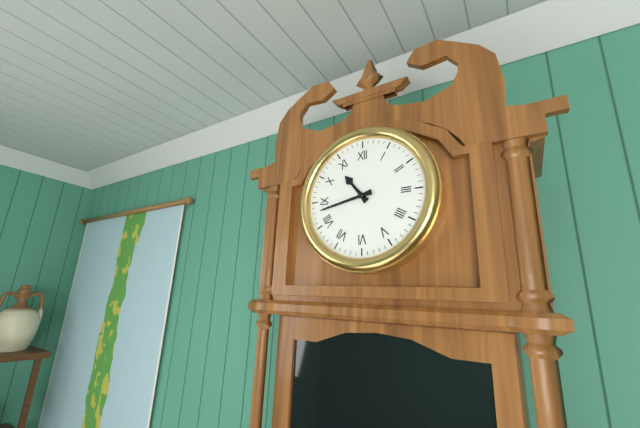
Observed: 10:43
